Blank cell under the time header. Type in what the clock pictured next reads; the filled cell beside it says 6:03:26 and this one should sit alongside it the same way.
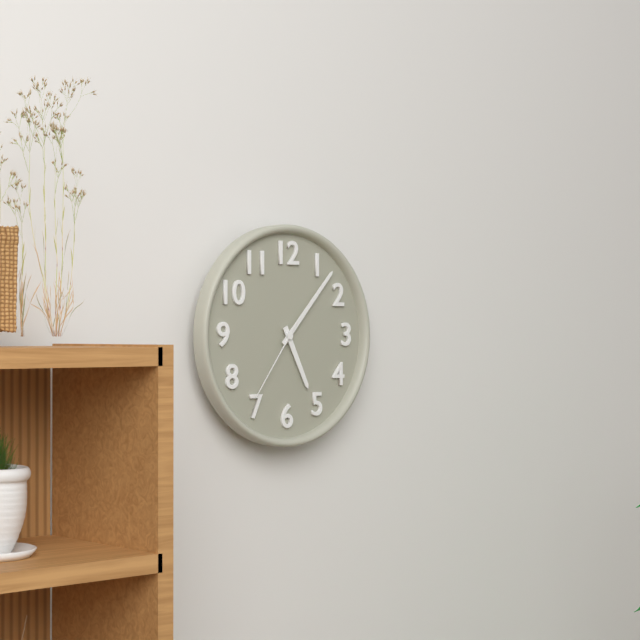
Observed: 5:07:36
